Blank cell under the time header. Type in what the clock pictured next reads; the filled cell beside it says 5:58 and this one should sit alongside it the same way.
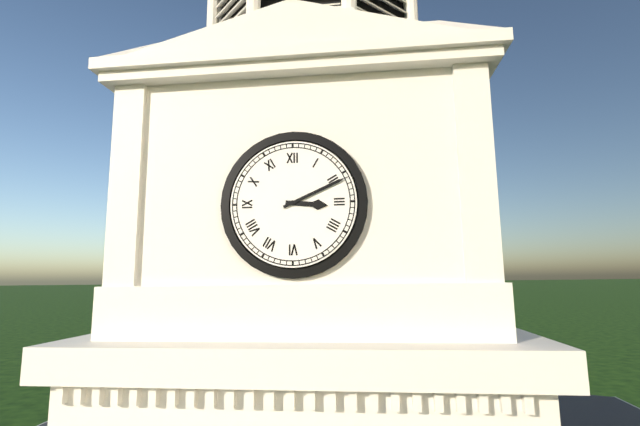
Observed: 3:11
